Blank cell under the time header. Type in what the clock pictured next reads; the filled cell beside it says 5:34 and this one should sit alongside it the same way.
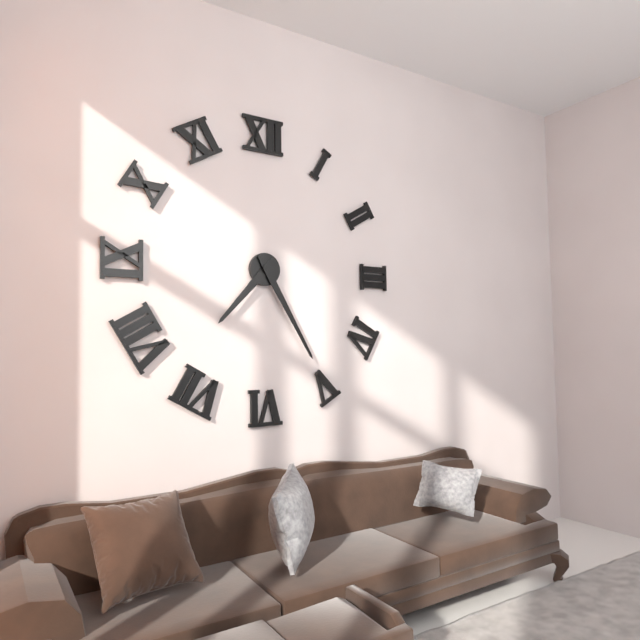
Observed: 7:25
